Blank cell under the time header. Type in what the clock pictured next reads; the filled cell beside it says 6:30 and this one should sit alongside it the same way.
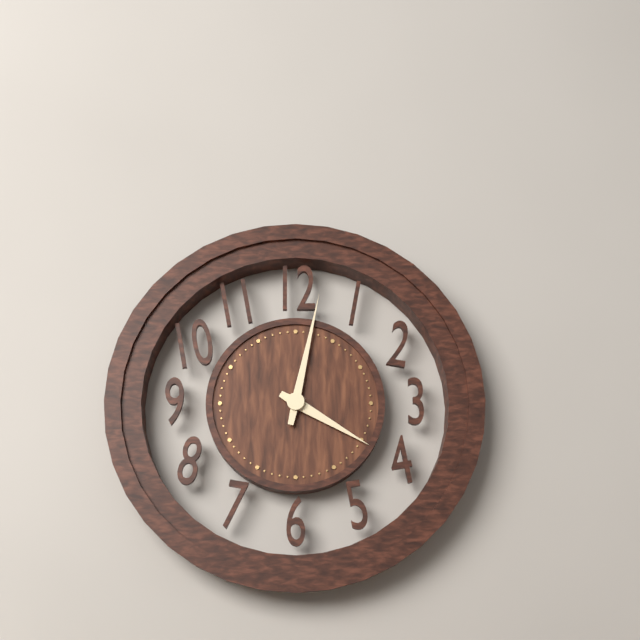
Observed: 4:02
